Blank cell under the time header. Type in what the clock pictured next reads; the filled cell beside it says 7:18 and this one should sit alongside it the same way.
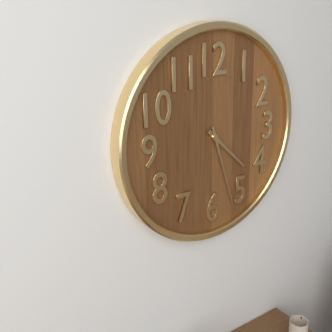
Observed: 4:27
